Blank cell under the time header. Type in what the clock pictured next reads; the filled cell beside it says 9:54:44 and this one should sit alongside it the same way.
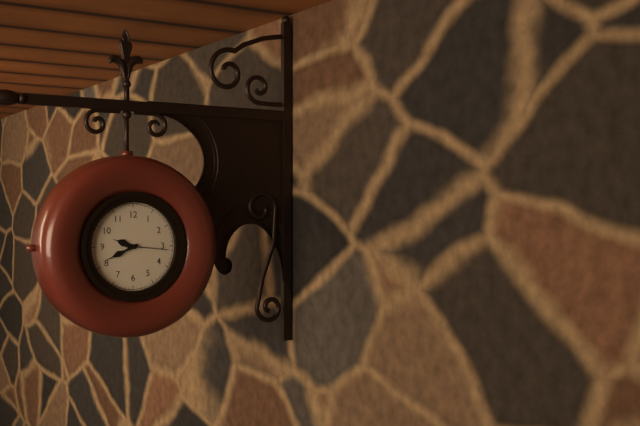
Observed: 9:41:16
